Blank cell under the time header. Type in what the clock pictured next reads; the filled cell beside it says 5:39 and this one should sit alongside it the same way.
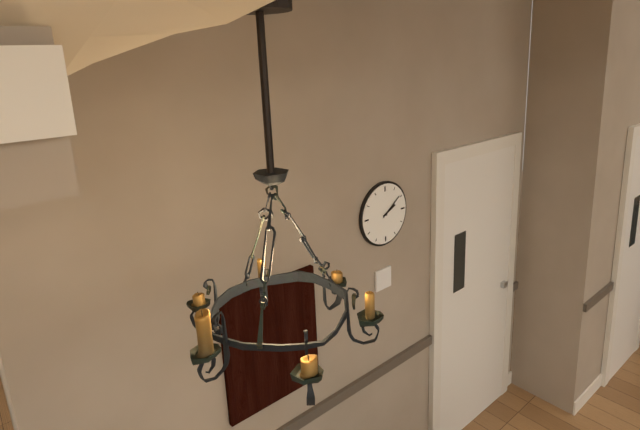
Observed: 2:09
